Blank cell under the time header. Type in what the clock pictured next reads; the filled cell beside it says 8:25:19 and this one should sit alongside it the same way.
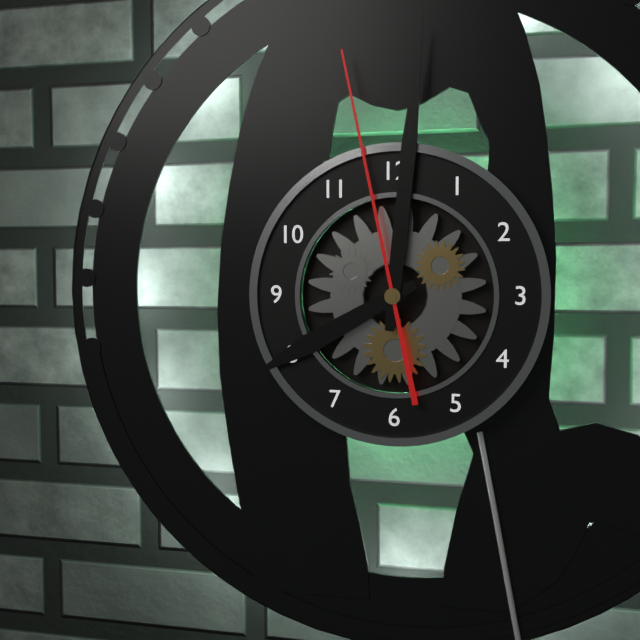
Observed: 8:01:58
